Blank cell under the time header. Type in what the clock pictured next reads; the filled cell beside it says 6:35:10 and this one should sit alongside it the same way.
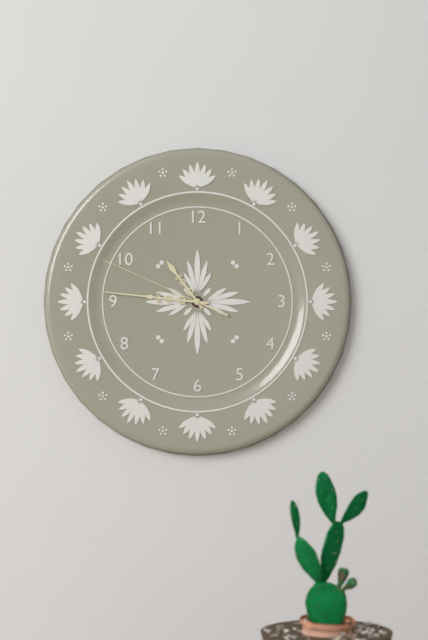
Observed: 10:46:49
